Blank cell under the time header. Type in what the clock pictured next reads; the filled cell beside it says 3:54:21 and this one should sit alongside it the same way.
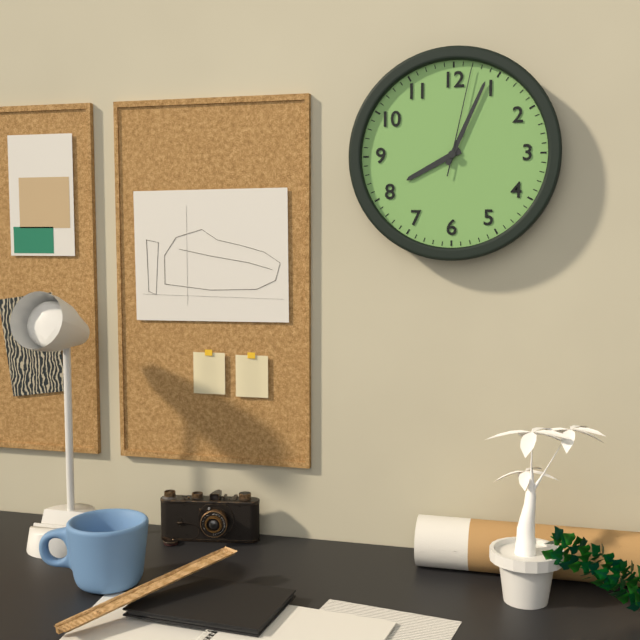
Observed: 8:04:02
